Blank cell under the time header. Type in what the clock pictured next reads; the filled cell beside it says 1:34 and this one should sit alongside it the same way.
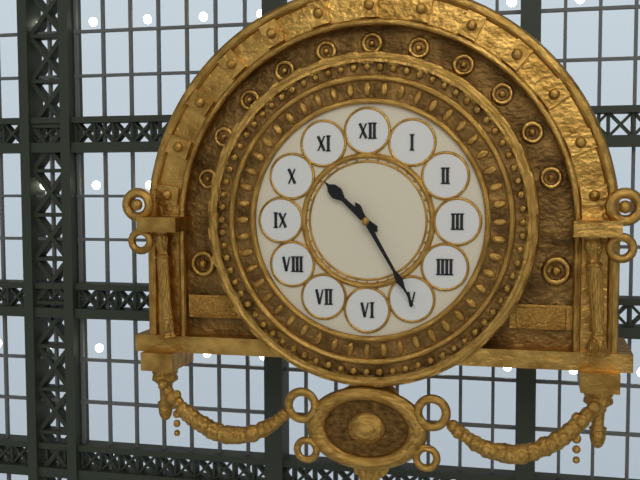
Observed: 10:25
